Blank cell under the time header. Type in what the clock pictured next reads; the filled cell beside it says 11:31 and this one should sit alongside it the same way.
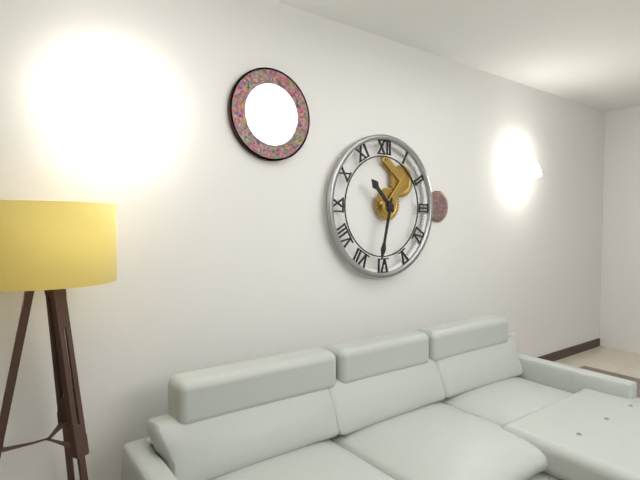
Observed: 10:32
